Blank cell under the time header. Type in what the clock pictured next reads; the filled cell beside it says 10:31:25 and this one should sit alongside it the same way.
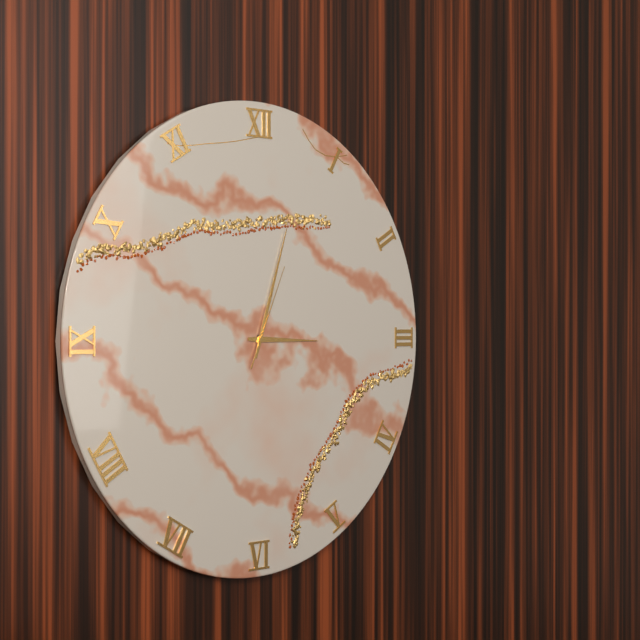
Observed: 3:03:04
